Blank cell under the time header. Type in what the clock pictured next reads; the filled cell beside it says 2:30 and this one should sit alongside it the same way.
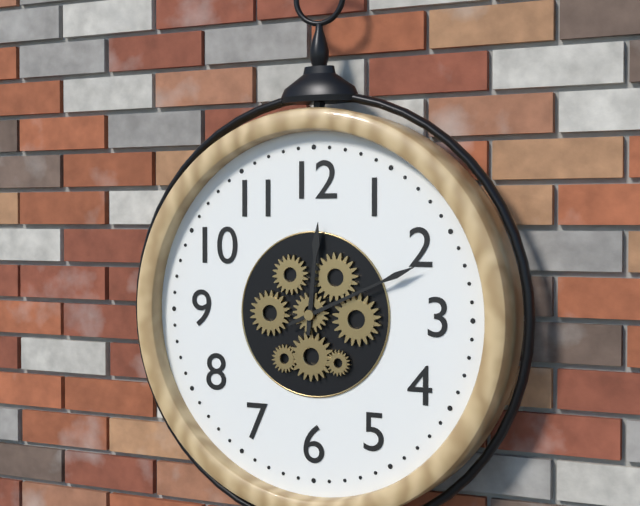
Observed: 12:11
